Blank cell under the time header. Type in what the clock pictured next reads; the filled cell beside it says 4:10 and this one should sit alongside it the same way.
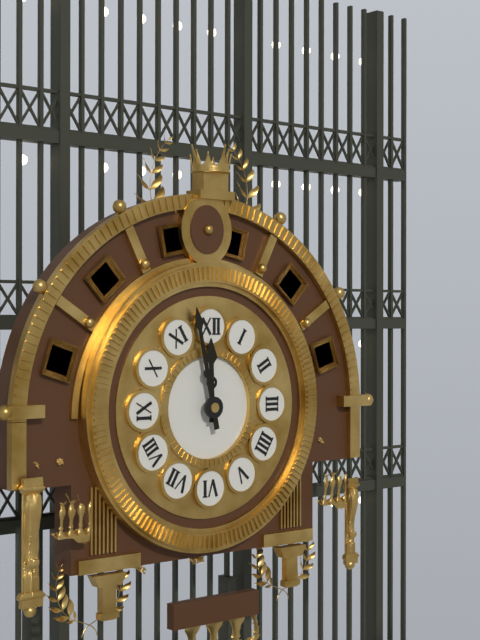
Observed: 11:58
